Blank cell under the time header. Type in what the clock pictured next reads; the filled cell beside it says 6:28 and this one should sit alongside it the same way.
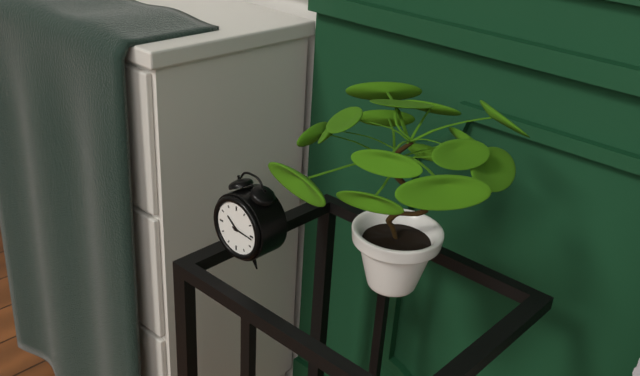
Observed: 10:16
